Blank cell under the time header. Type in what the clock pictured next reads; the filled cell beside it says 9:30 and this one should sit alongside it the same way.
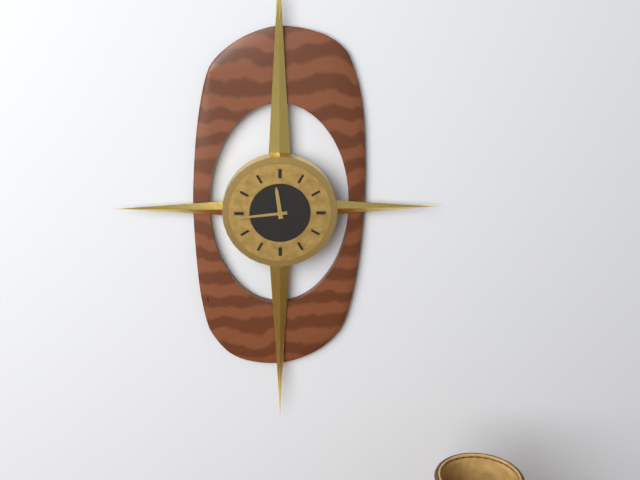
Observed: 11:44
